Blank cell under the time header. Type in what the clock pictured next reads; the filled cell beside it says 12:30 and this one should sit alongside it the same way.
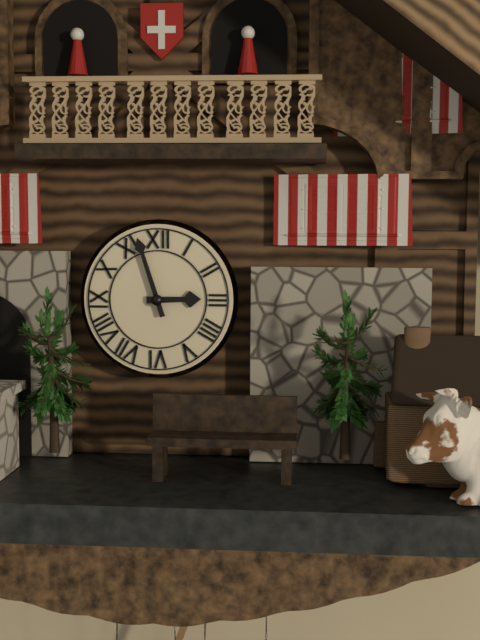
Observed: 2:57
